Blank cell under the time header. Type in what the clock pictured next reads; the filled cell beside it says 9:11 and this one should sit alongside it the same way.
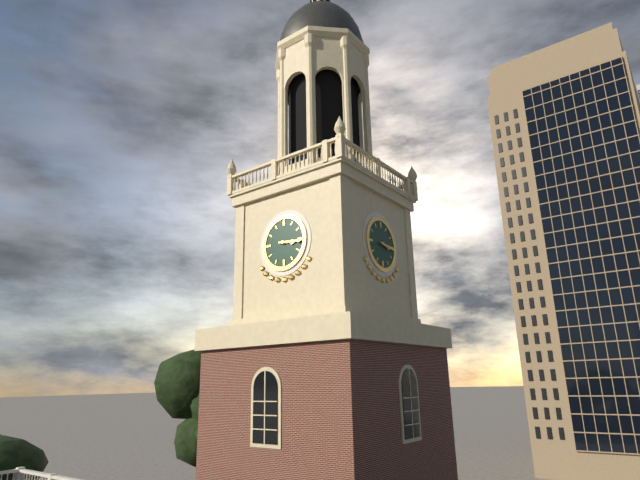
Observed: 3:16
